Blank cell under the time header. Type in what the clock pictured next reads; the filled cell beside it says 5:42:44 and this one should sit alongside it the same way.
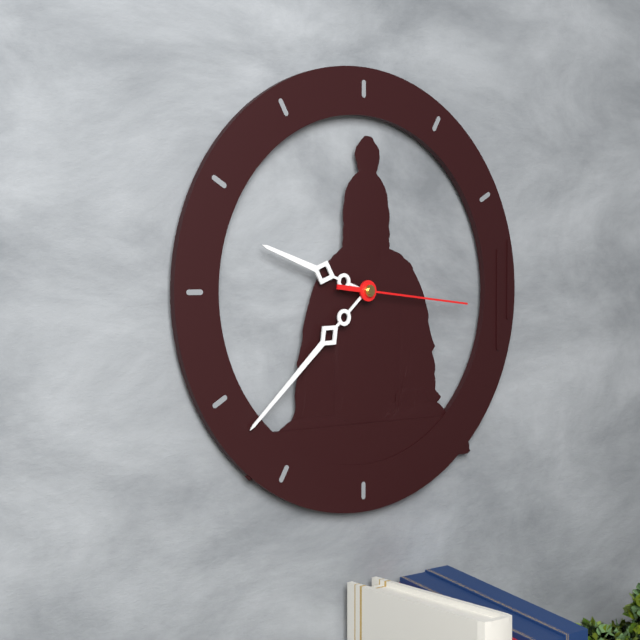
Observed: 9:38:16
